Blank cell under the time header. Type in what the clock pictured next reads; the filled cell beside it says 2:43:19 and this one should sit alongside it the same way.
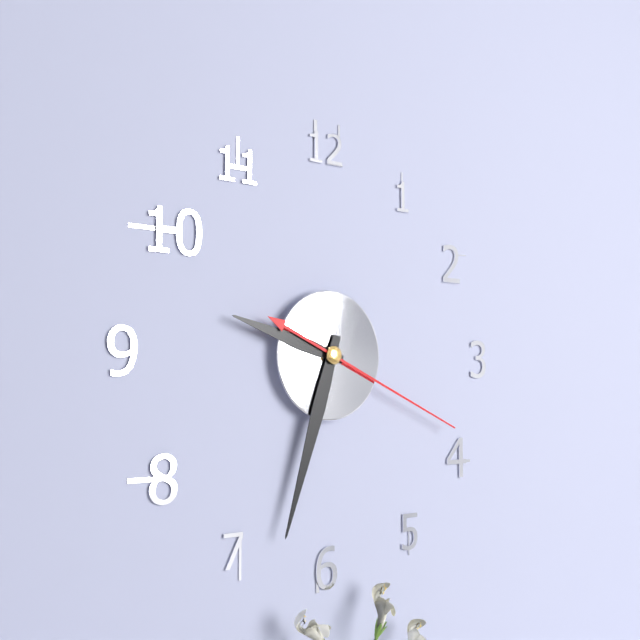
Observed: 9:33:19
